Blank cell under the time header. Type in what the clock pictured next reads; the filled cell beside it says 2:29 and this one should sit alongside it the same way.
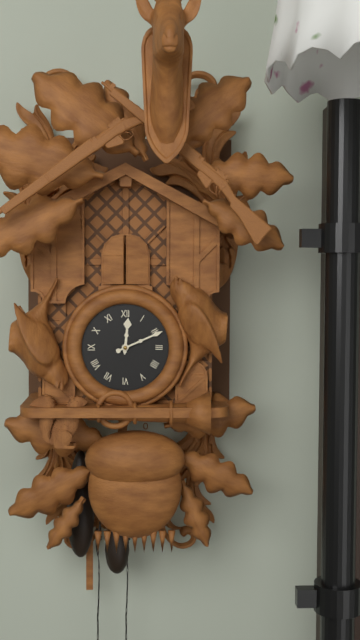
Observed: 12:11
